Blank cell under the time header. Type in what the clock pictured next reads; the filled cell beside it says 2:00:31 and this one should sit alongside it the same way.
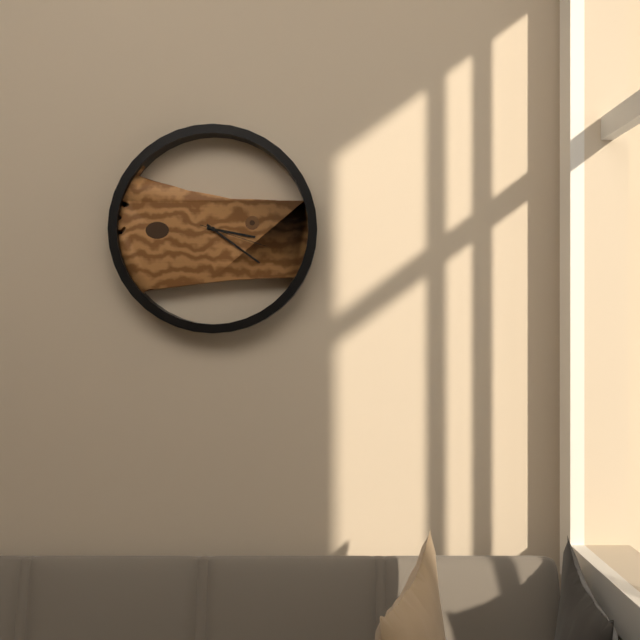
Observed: 3:21:18
